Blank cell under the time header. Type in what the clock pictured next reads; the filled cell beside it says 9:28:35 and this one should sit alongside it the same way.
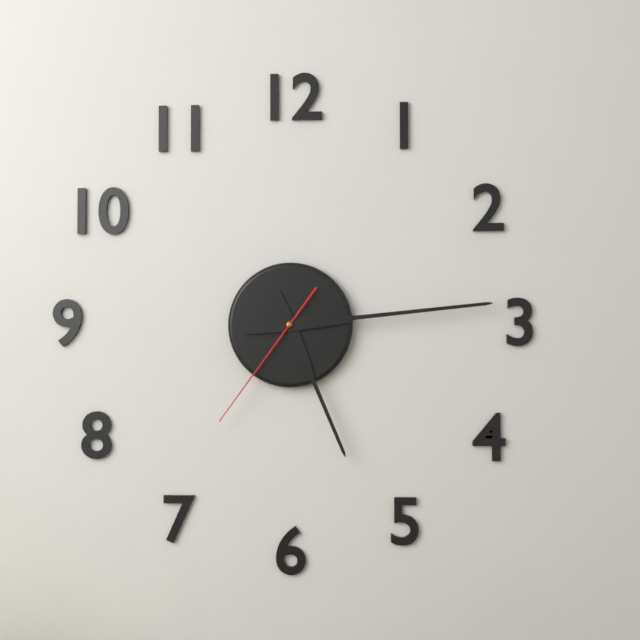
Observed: 5:14:36
